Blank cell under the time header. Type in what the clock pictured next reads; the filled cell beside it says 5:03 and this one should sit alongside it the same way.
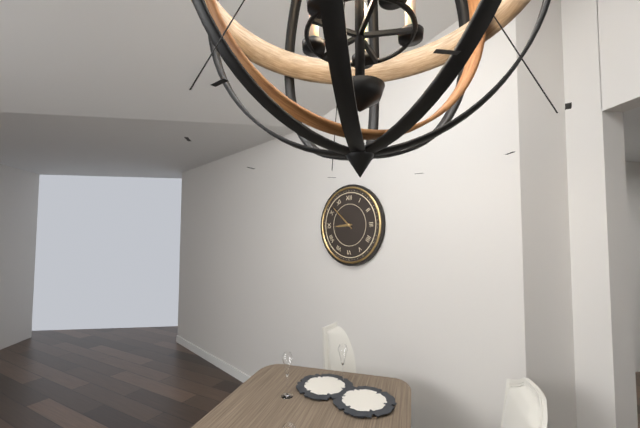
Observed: 8:52
